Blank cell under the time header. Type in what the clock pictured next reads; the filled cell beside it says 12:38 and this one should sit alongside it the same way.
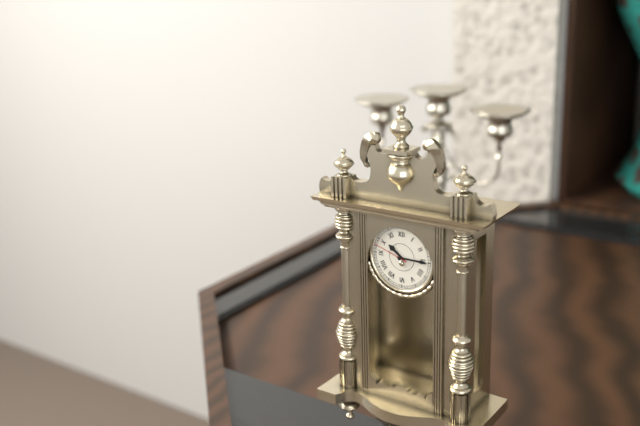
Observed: 10:15
